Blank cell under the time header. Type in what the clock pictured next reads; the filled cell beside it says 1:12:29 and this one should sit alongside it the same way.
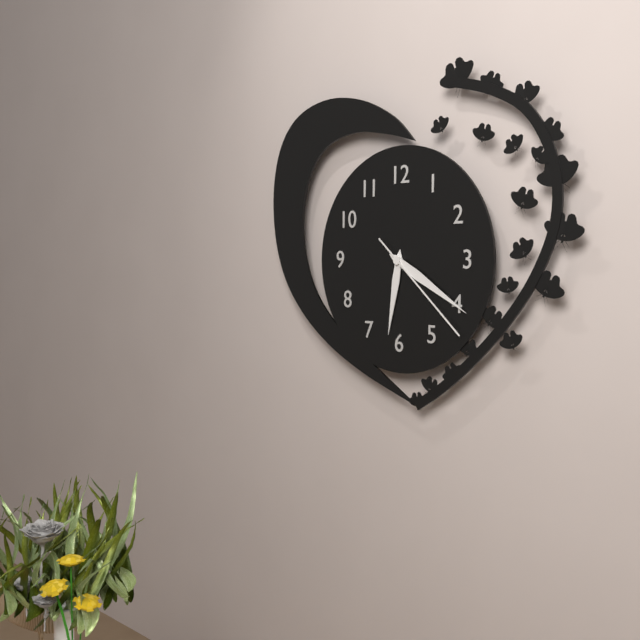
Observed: 6:20:22
